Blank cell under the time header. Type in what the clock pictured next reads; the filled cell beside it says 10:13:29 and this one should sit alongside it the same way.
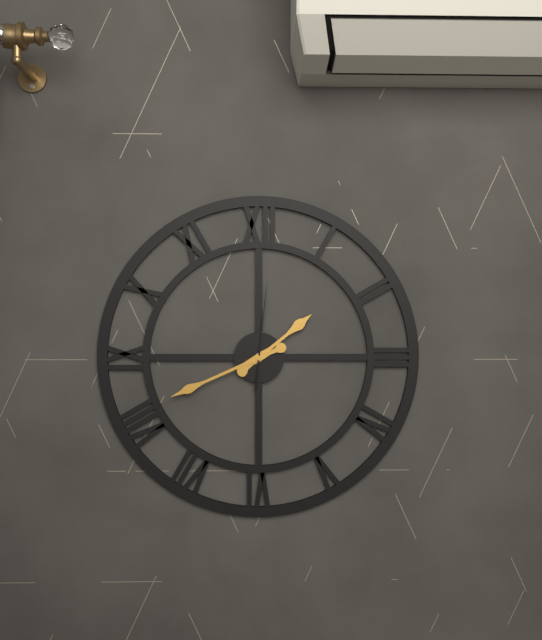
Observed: 1:41:01
